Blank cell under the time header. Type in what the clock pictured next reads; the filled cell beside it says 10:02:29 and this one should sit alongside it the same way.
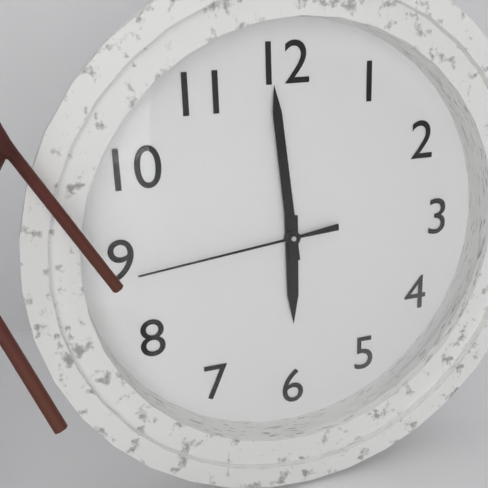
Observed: 5:59:44
